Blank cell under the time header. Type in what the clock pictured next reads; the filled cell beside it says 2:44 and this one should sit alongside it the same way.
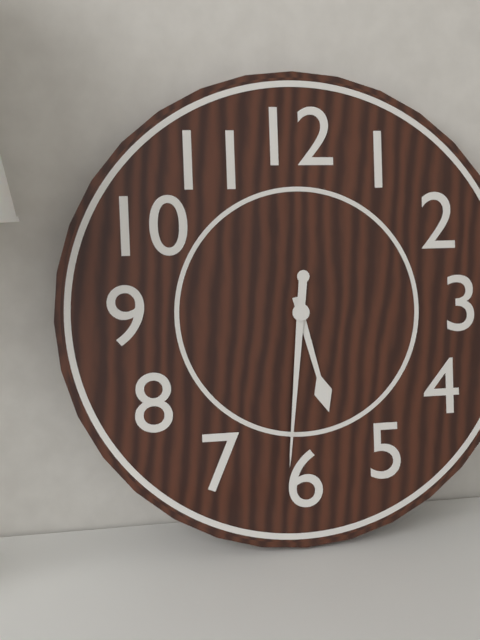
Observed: 5:31
